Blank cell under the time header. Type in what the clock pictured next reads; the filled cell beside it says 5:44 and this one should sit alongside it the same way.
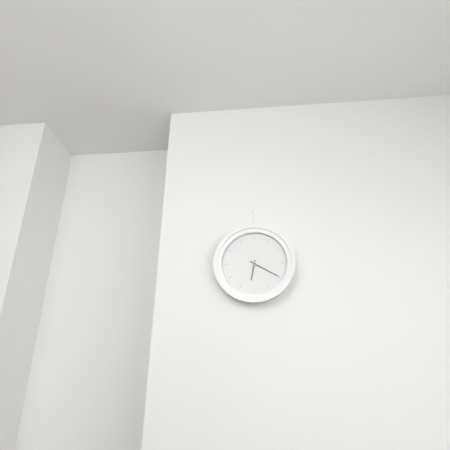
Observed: 6:20
